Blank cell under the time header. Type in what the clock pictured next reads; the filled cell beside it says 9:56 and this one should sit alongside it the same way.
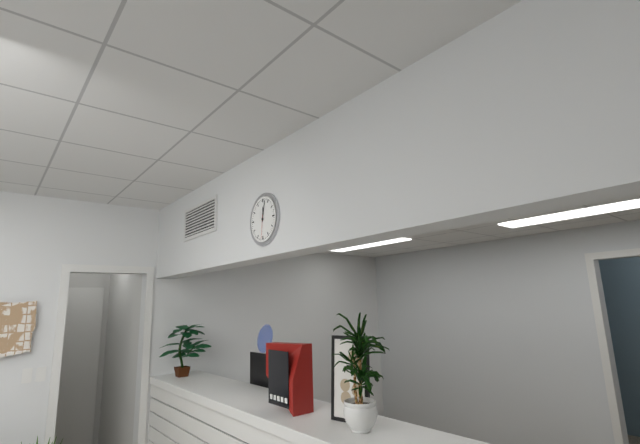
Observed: 12:02
